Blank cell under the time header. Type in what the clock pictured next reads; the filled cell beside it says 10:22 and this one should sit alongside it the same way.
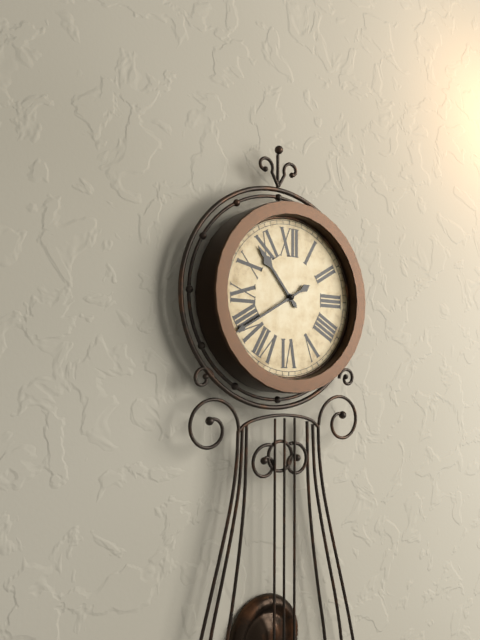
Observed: 10:40
